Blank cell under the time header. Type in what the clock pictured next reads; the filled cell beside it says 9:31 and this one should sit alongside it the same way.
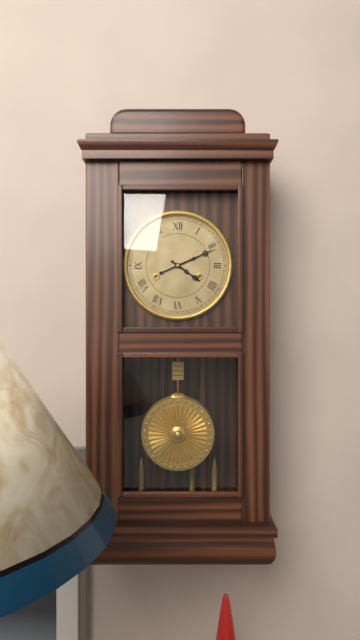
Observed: 4:11
